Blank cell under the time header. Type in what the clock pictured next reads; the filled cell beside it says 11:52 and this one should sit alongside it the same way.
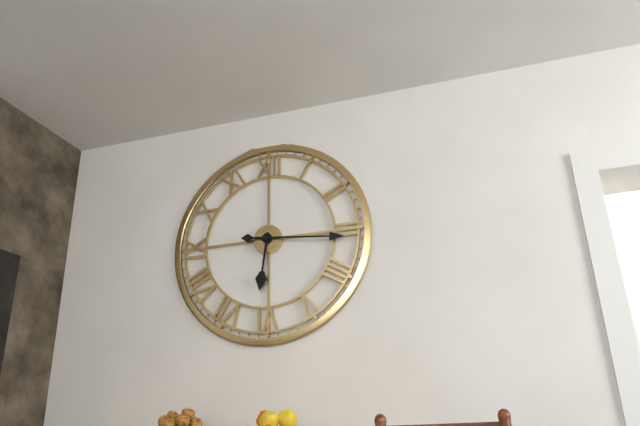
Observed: 6:16
